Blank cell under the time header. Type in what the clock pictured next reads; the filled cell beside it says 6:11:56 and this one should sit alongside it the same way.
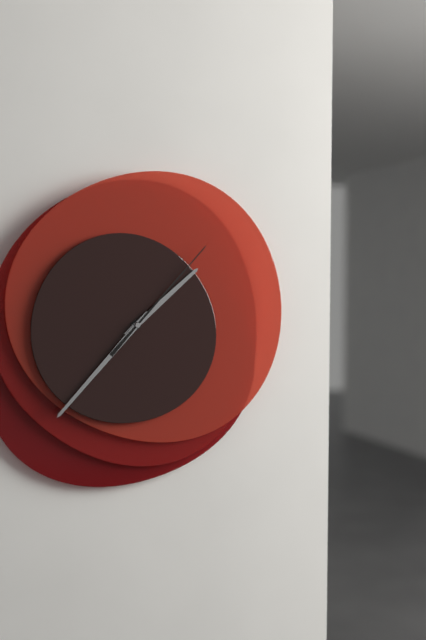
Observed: 1:37:07
